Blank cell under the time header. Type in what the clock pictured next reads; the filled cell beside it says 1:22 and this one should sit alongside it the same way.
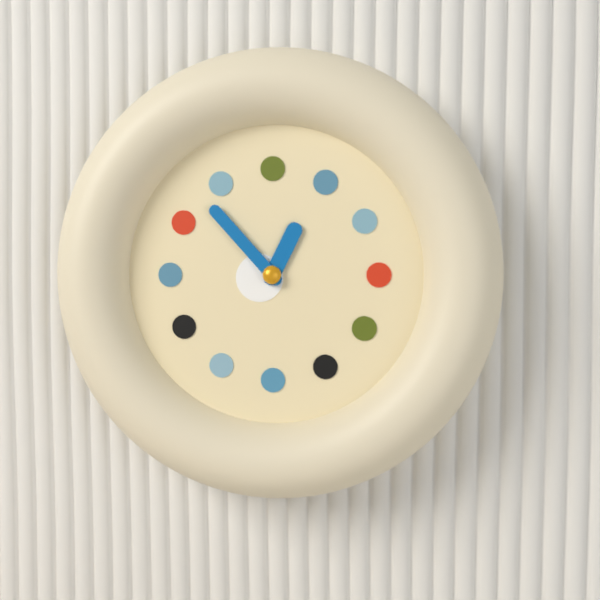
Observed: 12:53
